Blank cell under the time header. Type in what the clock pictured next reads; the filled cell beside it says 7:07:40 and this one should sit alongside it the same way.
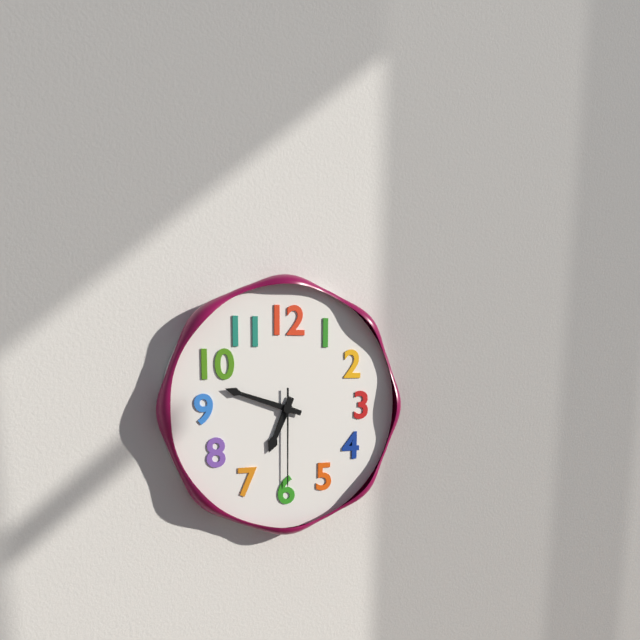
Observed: 6:48:30
